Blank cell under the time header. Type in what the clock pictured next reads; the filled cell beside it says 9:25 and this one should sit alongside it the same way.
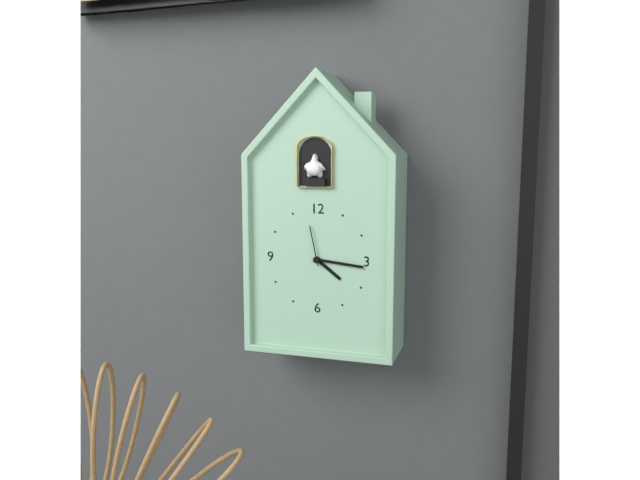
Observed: 4:16
